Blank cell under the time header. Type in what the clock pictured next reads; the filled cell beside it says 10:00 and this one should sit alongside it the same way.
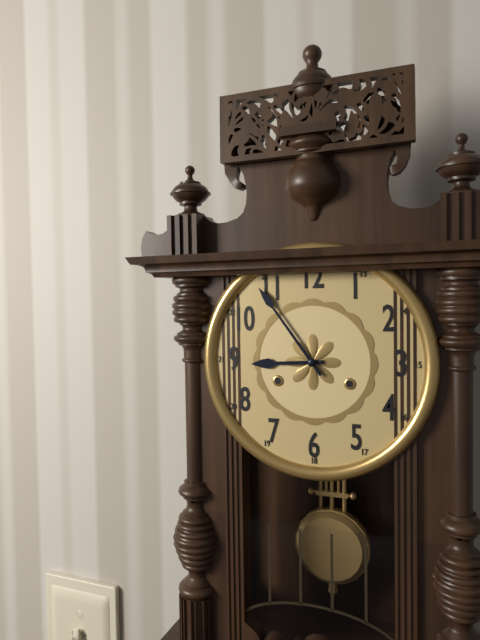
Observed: 8:54
